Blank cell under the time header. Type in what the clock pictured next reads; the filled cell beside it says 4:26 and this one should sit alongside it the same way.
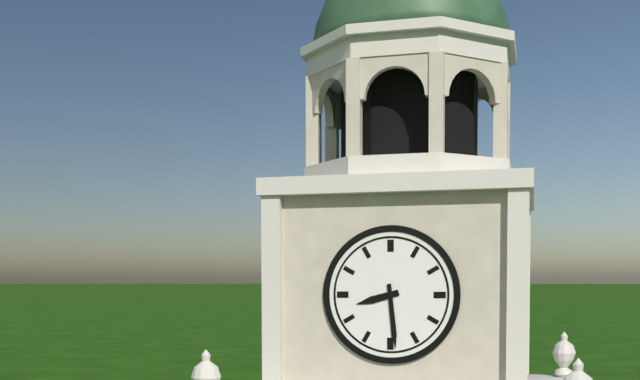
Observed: 8:29
